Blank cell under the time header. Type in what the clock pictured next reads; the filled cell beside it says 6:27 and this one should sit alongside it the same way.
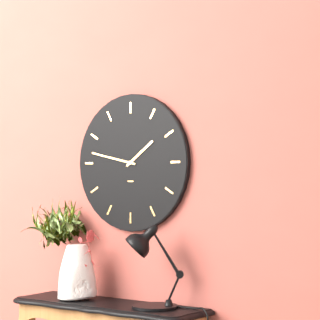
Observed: 1:47
